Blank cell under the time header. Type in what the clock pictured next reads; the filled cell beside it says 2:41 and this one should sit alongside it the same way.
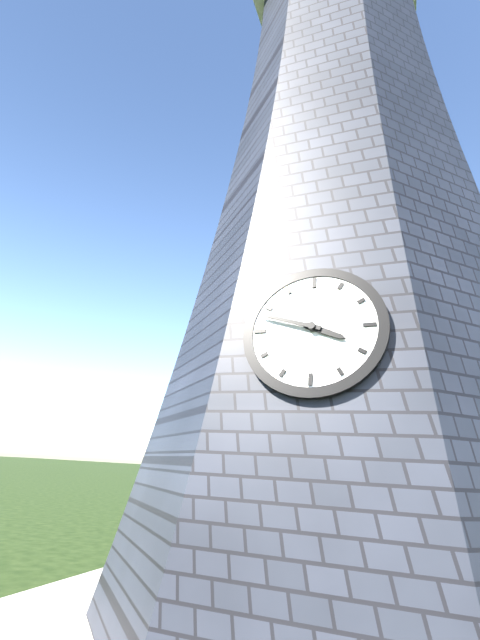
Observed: 3:48
